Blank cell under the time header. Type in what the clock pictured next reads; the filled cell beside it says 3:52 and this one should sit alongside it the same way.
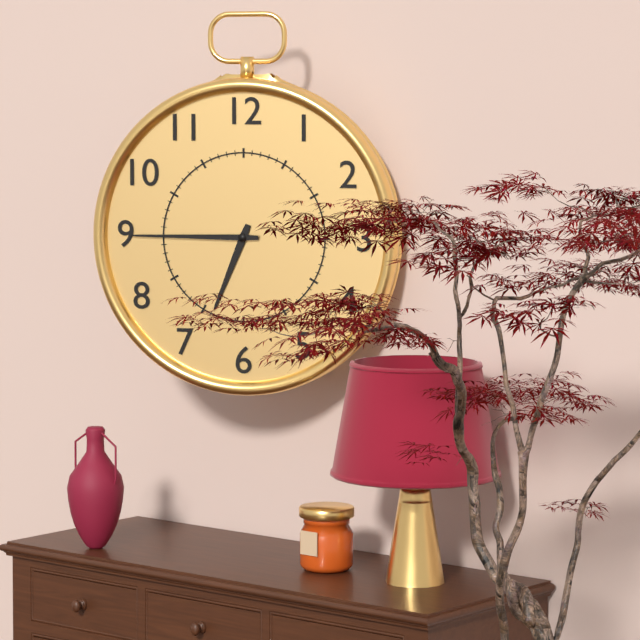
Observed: 6:45
